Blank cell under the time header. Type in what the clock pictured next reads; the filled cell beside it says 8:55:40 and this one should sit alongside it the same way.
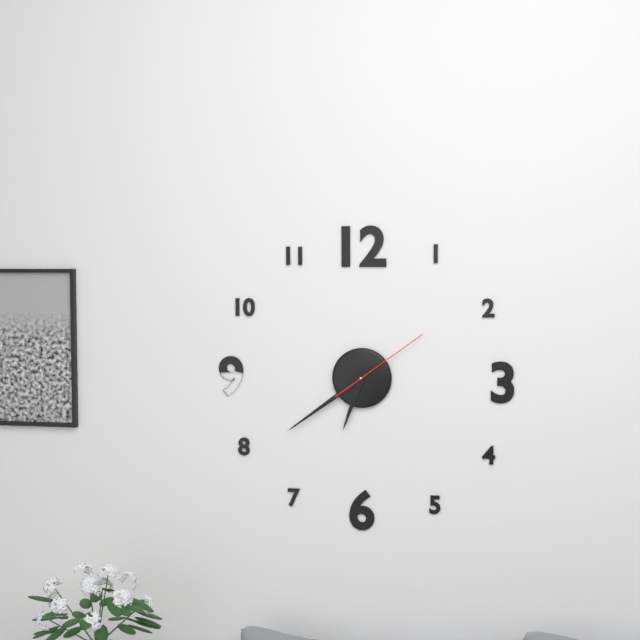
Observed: 6:39:09
